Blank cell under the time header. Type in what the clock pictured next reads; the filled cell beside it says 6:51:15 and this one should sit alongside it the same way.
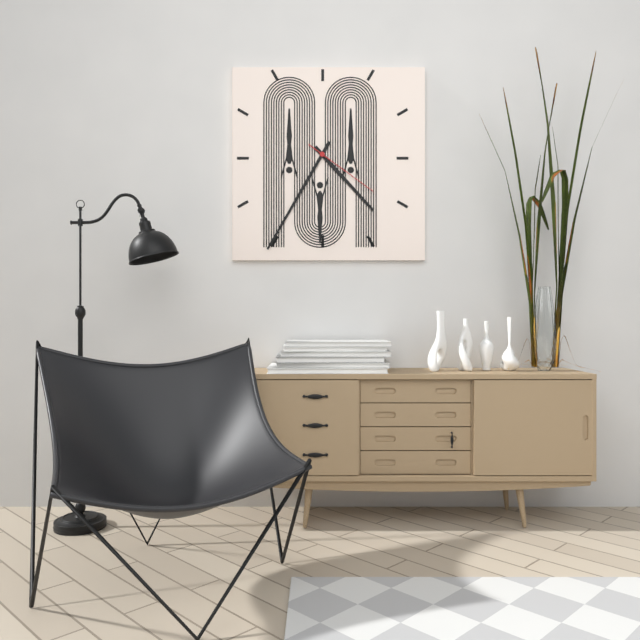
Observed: 4:35:21
